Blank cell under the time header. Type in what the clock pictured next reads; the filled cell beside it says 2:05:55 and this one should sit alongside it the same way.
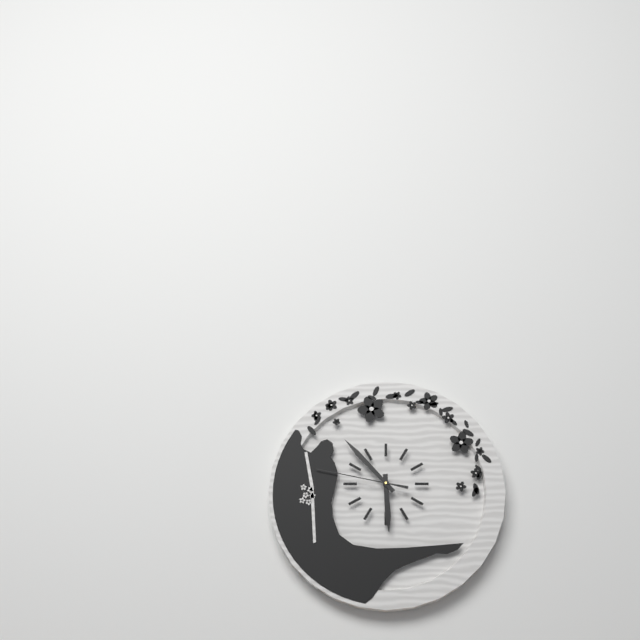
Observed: 5:53:47
